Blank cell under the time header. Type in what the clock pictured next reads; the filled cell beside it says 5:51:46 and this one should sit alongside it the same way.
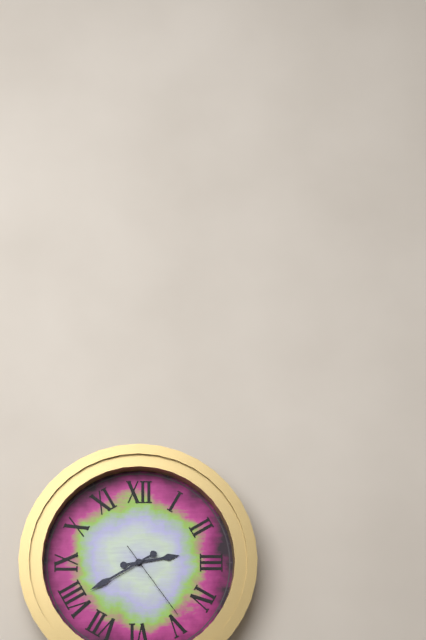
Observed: 2:40:24
